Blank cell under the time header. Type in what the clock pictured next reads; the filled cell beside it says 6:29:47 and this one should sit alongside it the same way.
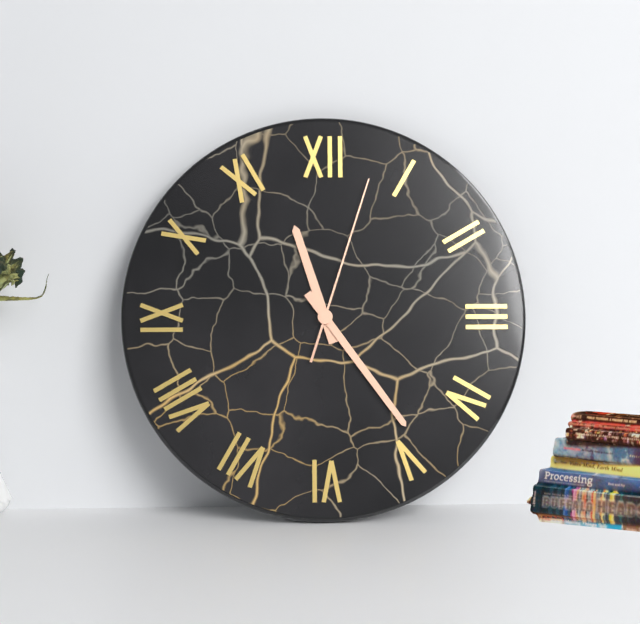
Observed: 11:24:03
